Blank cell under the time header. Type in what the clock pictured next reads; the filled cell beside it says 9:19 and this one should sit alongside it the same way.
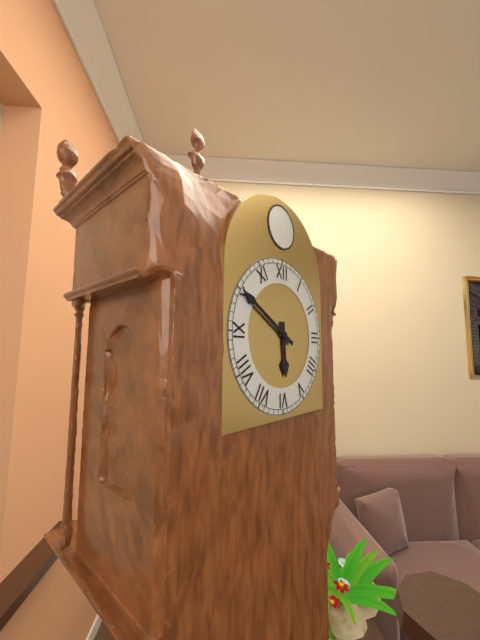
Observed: 5:50
